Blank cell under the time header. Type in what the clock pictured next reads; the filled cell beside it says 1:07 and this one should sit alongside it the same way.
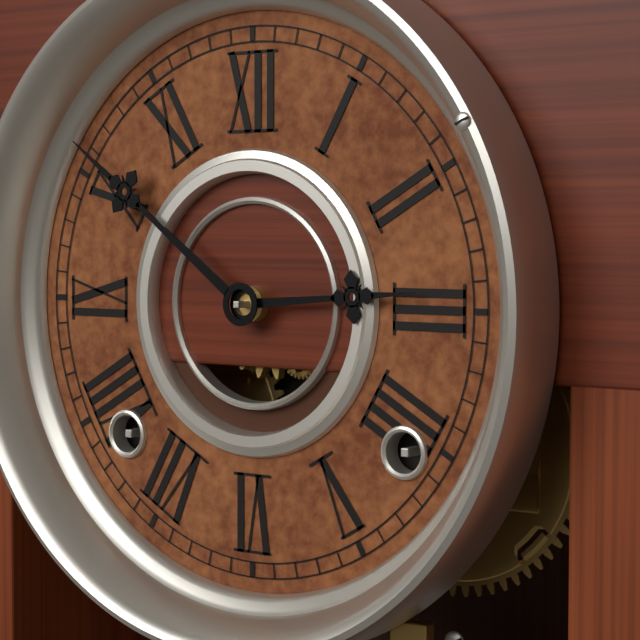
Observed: 2:51
